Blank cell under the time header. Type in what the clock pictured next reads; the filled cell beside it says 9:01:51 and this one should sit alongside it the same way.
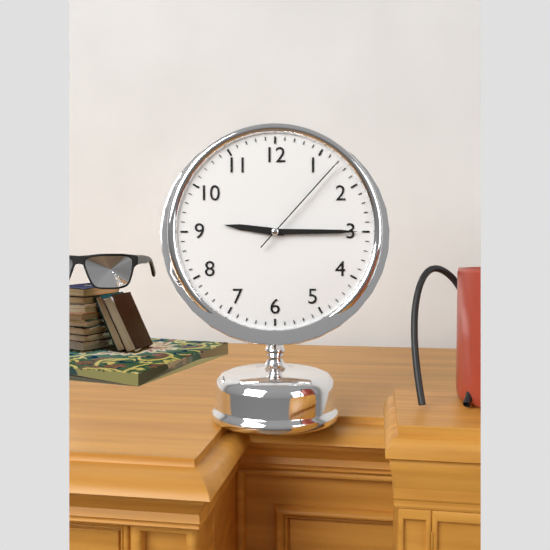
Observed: 9:15:07
